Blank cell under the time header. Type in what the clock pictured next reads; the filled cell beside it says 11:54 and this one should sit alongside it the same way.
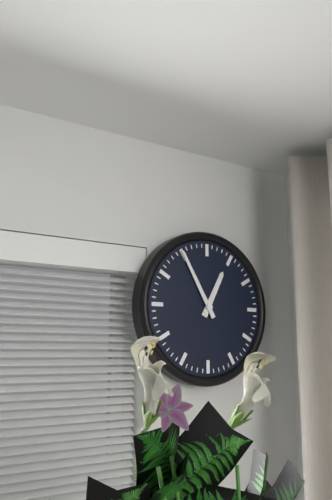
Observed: 12:55
